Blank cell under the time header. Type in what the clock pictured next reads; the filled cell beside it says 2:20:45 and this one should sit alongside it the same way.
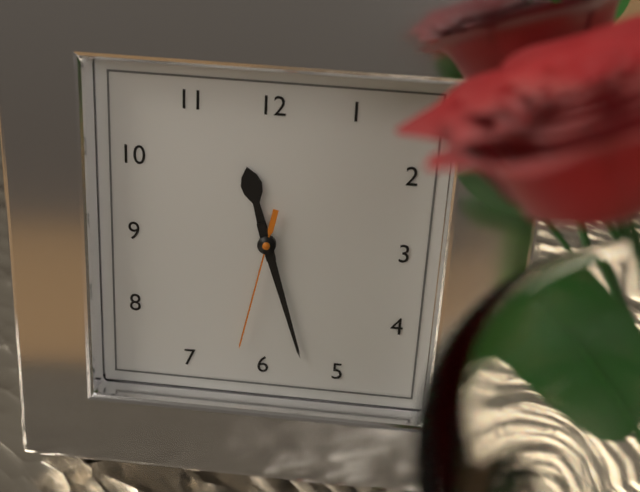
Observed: 11:27:32
